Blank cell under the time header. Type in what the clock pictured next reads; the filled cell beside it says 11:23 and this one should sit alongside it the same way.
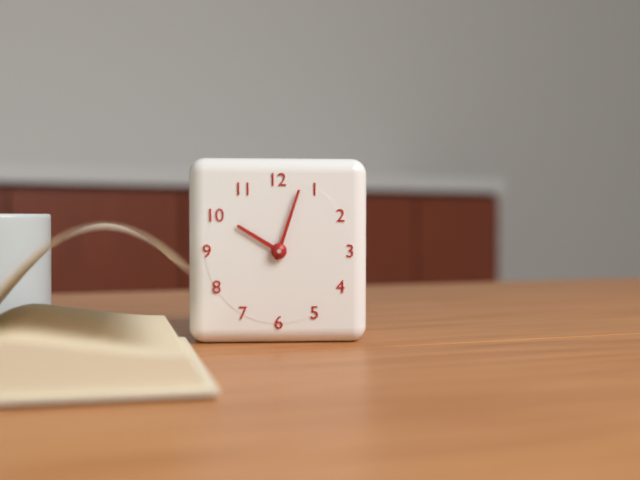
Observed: 10:03
